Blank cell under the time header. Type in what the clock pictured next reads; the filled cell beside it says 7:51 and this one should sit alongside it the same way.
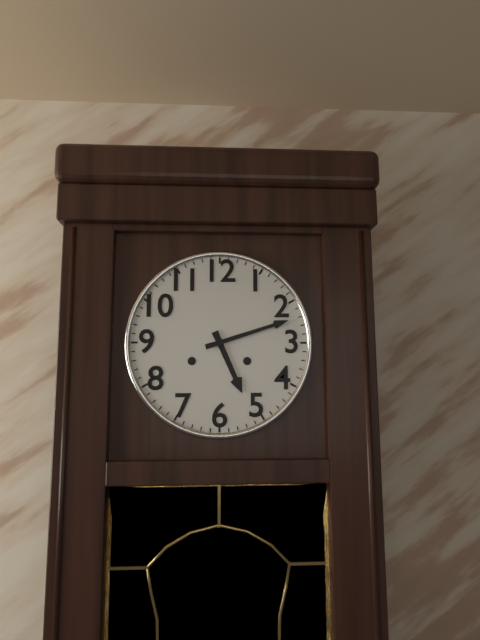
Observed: 5:12
